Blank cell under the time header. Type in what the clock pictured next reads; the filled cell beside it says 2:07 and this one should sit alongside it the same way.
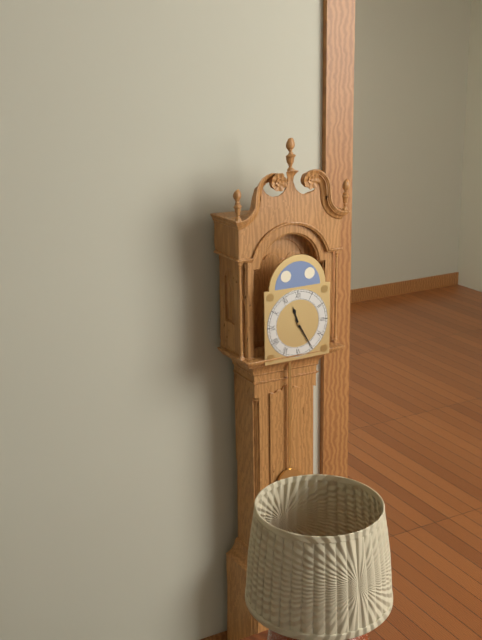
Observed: 11:25
